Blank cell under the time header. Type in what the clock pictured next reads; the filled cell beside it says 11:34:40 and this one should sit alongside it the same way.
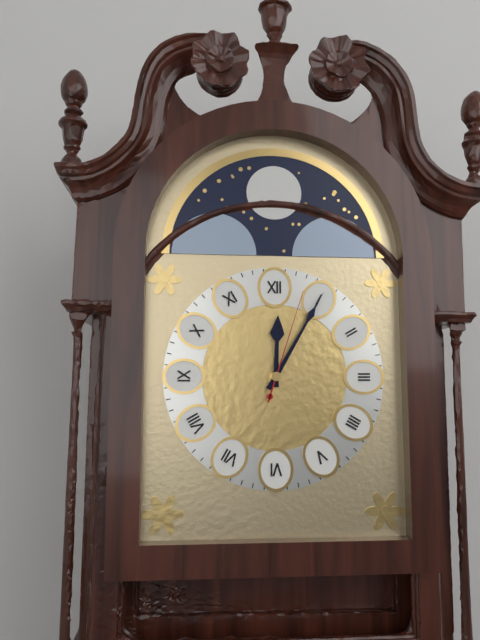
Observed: 12:05:03
